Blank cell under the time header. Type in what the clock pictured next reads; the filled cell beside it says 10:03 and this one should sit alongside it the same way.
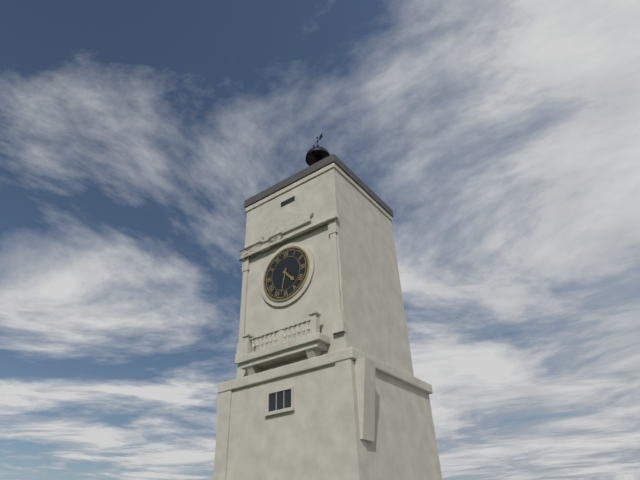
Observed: 4:32
